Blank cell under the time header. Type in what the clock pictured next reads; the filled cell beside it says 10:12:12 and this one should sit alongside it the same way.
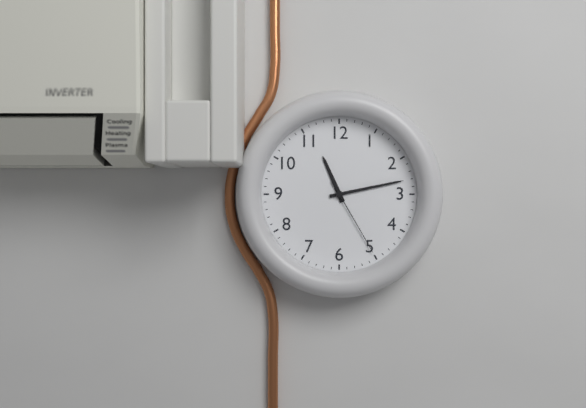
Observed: 11:13:25
